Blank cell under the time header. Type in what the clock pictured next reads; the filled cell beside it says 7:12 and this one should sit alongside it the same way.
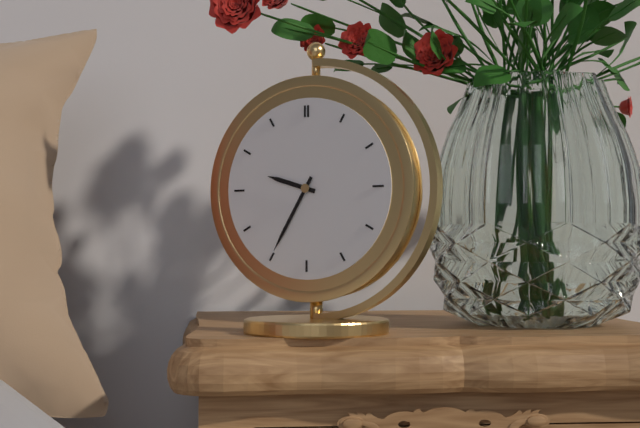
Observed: 9:35
